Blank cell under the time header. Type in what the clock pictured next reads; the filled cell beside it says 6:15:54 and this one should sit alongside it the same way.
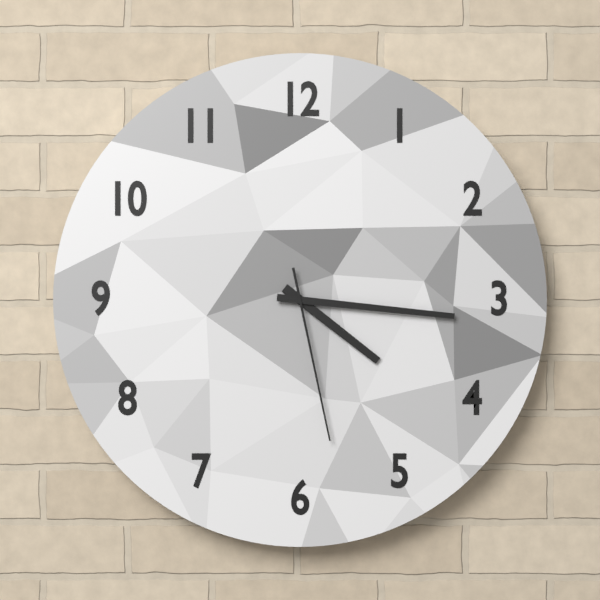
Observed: 4:16:28
